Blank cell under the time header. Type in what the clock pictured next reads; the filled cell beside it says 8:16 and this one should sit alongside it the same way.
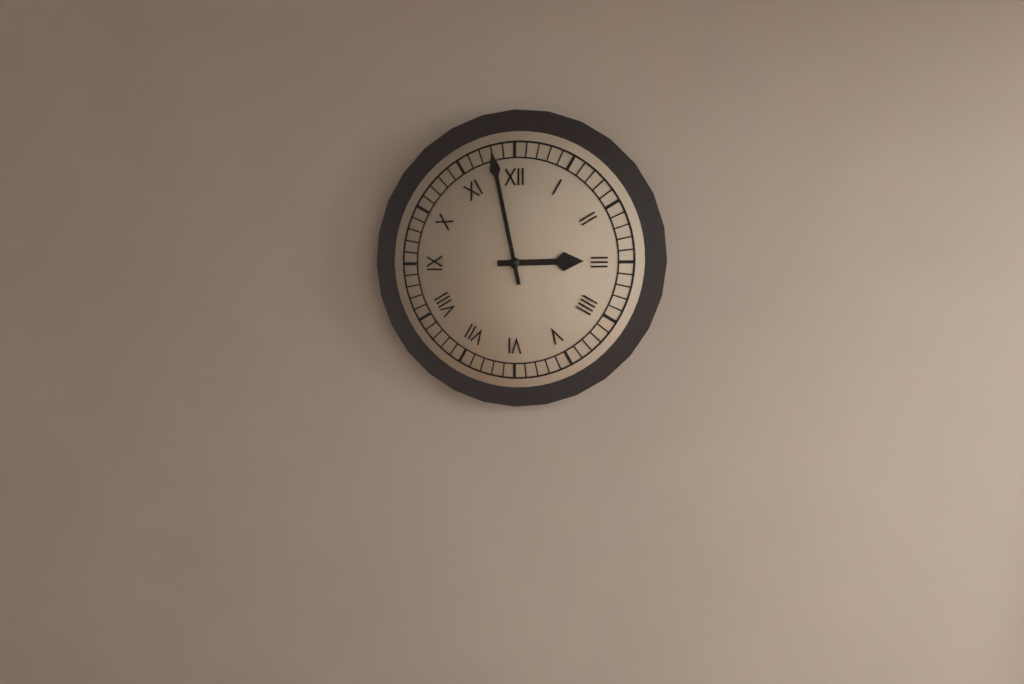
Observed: 2:58
